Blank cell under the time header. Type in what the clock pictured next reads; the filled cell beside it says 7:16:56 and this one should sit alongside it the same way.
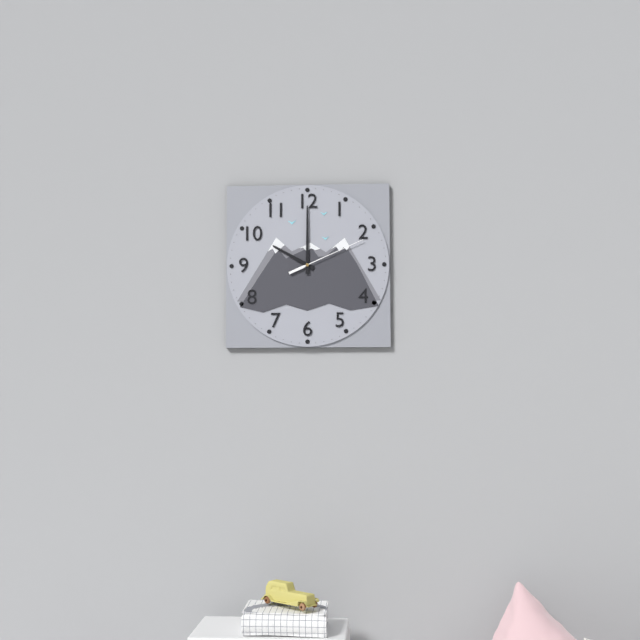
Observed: 10:00:11
